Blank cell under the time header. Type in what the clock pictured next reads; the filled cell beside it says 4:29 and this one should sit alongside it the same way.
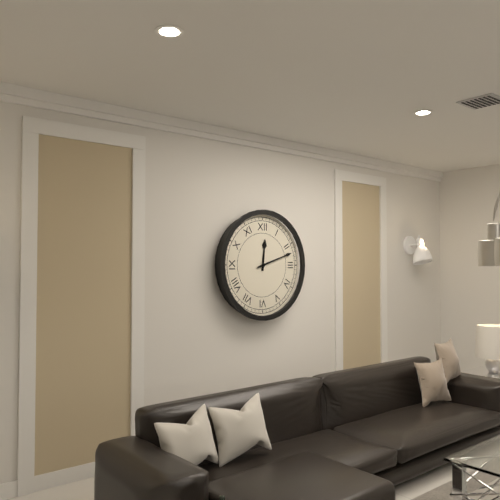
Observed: 12:12
